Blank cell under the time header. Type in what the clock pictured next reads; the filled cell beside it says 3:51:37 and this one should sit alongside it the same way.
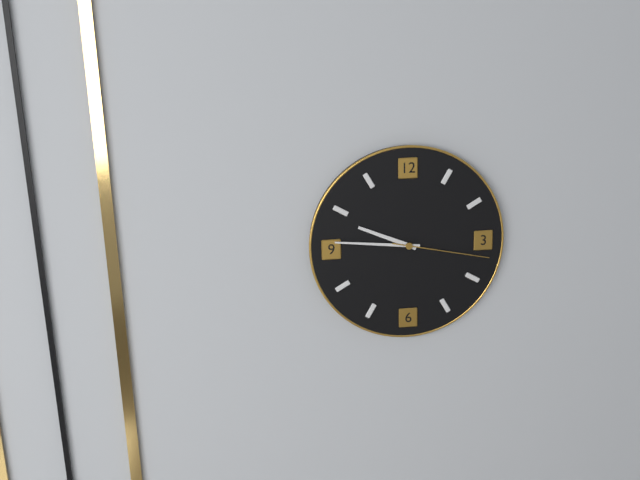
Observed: 9:46:17
